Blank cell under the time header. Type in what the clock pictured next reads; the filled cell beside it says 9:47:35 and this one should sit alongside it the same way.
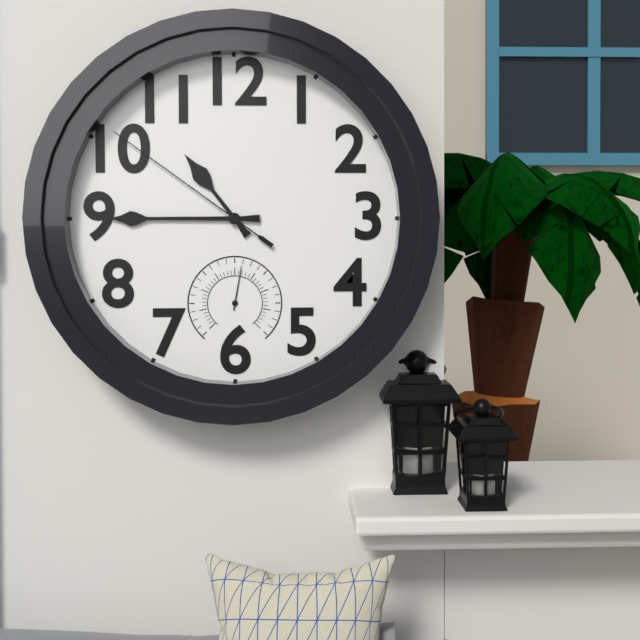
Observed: 10:45:51
